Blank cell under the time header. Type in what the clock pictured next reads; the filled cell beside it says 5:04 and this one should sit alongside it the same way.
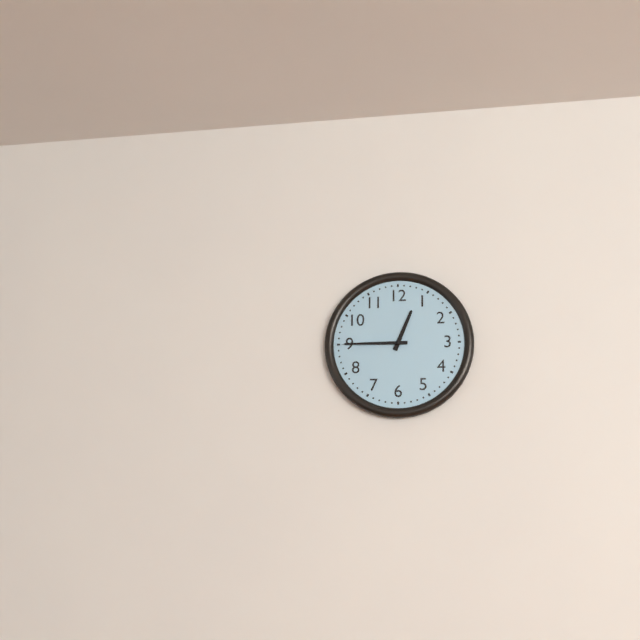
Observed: 12:45
